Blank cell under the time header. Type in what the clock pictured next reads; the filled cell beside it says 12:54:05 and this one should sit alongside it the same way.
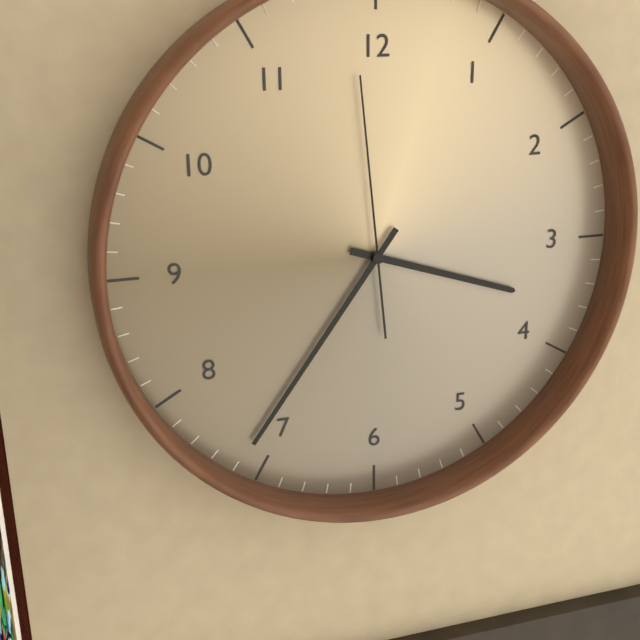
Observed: 3:36:59
